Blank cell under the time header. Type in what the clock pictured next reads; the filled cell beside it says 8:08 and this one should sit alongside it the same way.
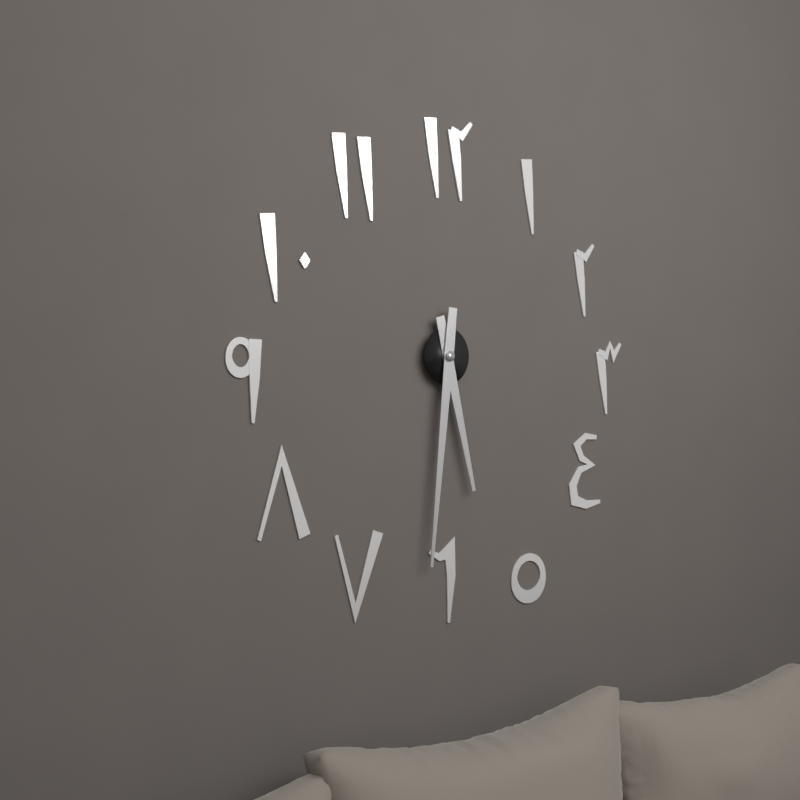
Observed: 5:31
